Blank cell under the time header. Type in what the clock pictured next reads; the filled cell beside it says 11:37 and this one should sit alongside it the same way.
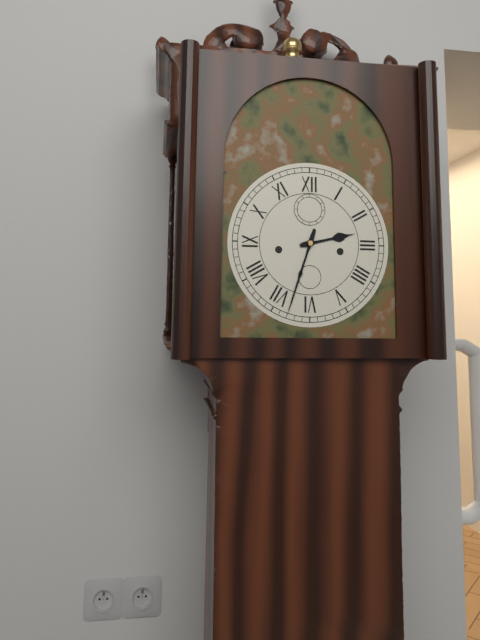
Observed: 2:33
